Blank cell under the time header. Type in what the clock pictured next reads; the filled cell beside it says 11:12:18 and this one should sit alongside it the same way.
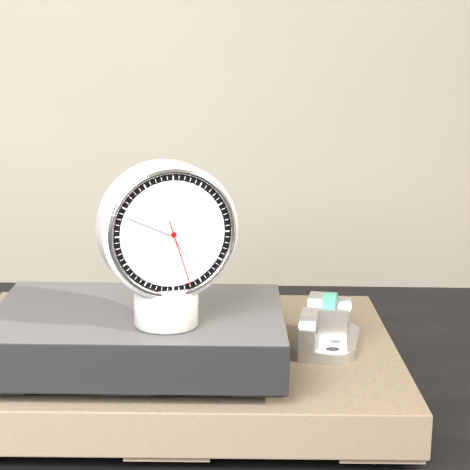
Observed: 4:49:27
